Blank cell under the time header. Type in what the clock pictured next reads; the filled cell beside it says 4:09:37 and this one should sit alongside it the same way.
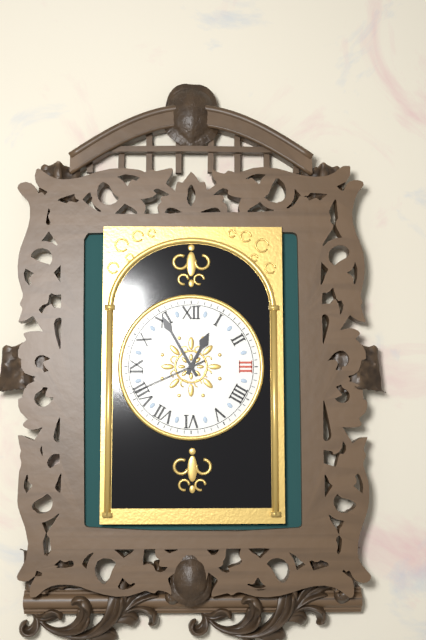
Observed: 12:55:41
